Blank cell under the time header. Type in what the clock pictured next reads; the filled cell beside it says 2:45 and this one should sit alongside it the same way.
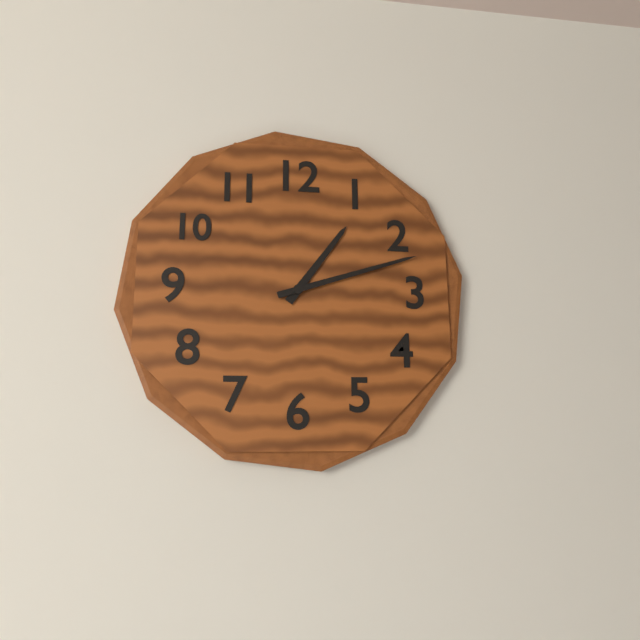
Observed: 1:12
